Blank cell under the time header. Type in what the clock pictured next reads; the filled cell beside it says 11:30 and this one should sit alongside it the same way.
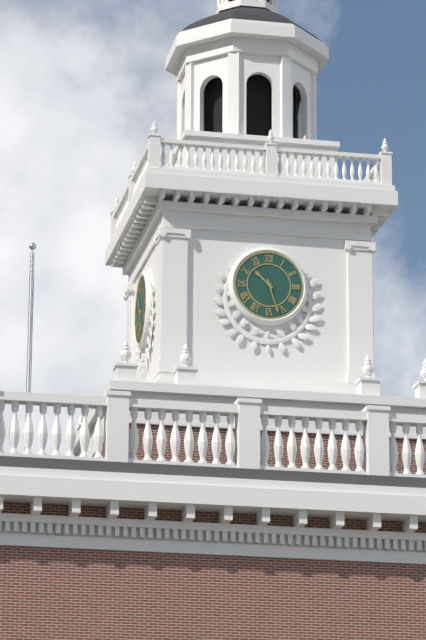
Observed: 10:27
